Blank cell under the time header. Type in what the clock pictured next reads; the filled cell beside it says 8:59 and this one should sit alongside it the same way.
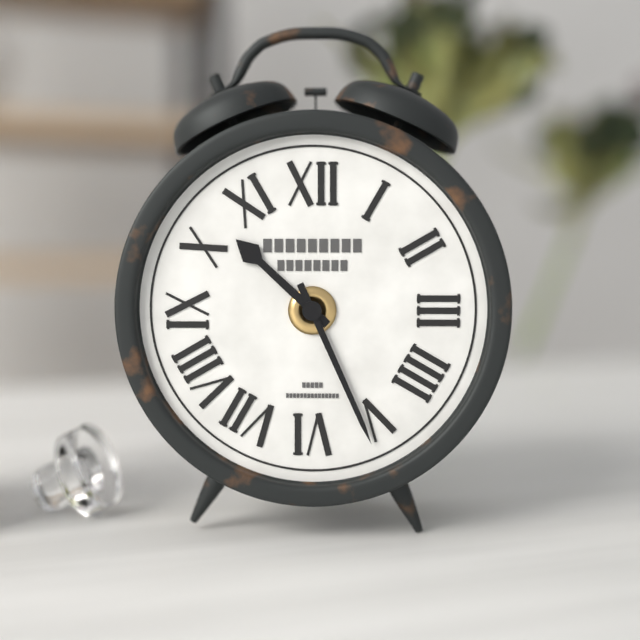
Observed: 10:26
